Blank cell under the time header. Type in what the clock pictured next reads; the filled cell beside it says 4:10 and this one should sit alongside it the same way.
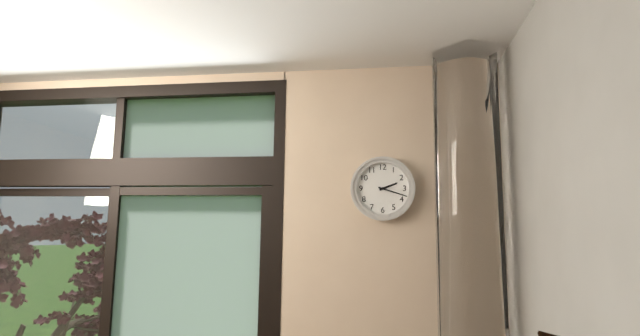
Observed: 2:18
